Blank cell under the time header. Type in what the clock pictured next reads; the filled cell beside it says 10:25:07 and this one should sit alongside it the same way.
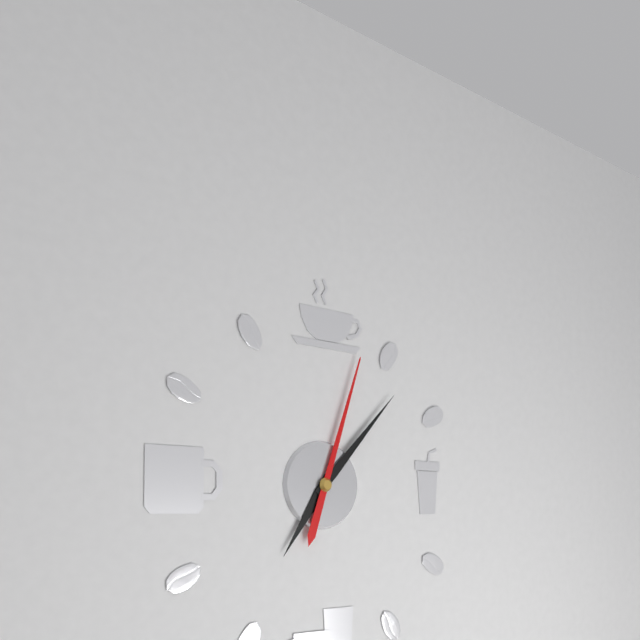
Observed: 7:07:03
